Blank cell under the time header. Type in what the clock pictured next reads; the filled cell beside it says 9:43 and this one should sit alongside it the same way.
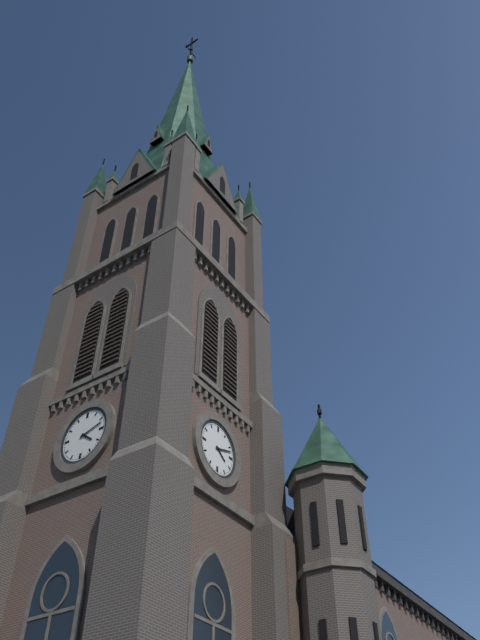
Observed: 4:12
